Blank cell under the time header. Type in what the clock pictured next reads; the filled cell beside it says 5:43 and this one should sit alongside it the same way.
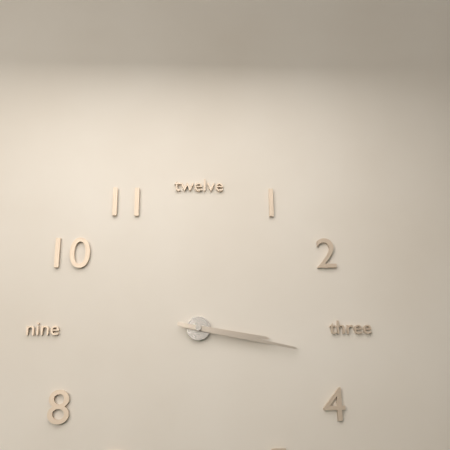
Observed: 3:17
